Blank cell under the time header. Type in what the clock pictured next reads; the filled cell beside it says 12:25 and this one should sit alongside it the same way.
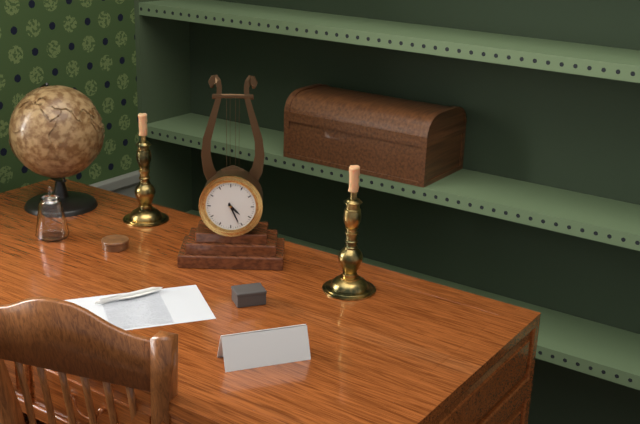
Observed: 4:26
